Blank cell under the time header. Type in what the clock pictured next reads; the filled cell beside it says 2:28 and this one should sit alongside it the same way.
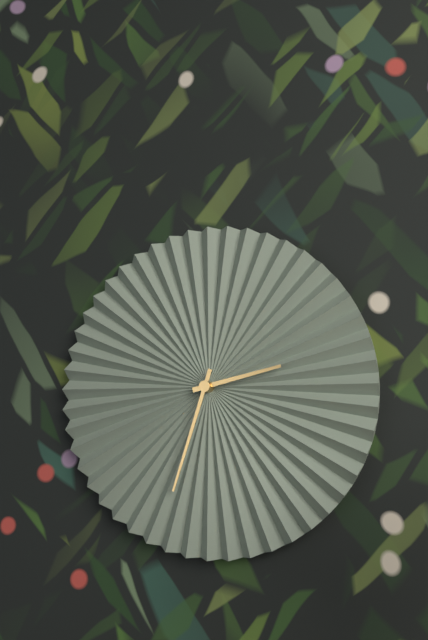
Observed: 2:33
